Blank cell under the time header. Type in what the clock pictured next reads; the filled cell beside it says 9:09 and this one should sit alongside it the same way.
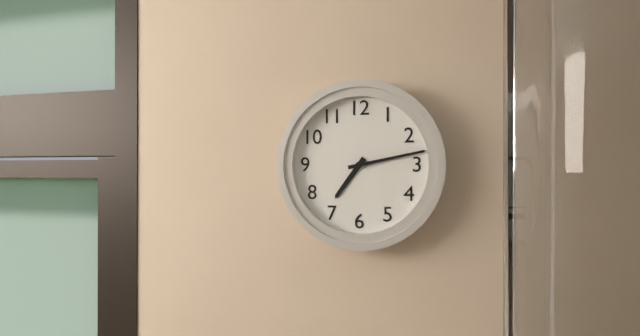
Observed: 7:13
